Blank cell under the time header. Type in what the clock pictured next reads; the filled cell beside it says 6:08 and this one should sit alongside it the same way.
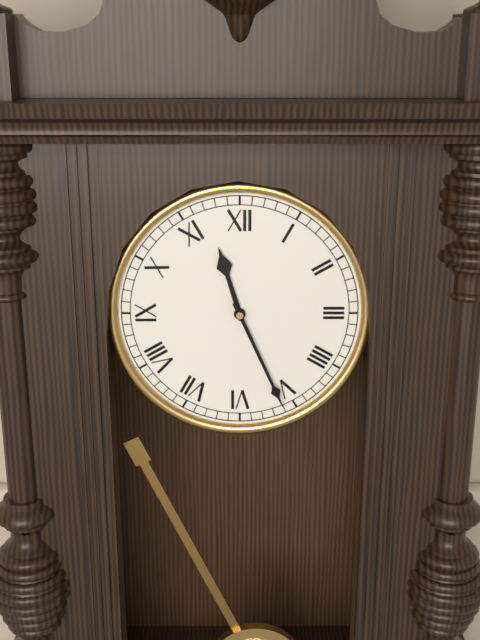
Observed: 11:26
